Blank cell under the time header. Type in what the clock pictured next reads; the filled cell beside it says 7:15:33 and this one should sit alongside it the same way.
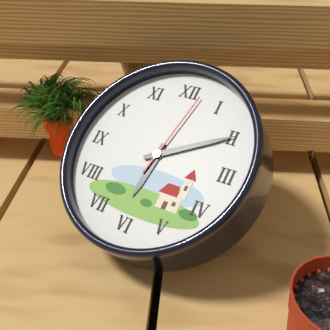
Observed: 6:10:02
